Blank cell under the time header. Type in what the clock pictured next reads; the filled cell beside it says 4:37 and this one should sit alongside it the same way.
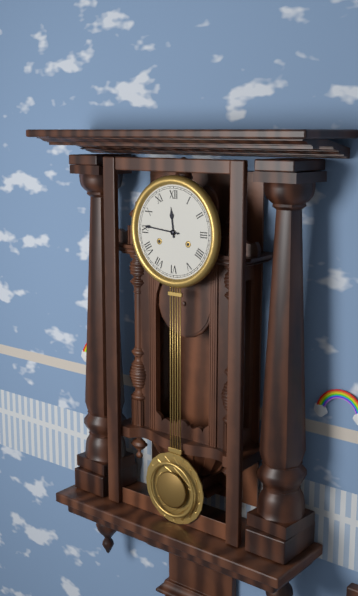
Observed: 11:46
